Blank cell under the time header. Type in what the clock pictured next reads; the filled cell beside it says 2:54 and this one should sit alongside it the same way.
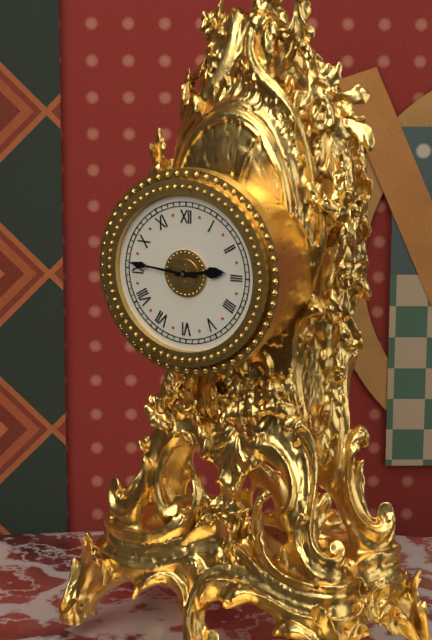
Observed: 2:46
